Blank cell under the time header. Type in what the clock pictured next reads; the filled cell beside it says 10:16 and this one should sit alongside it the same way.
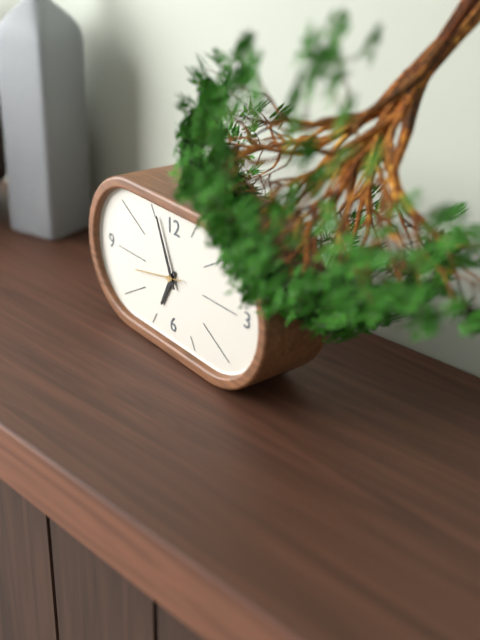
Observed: 6:56
